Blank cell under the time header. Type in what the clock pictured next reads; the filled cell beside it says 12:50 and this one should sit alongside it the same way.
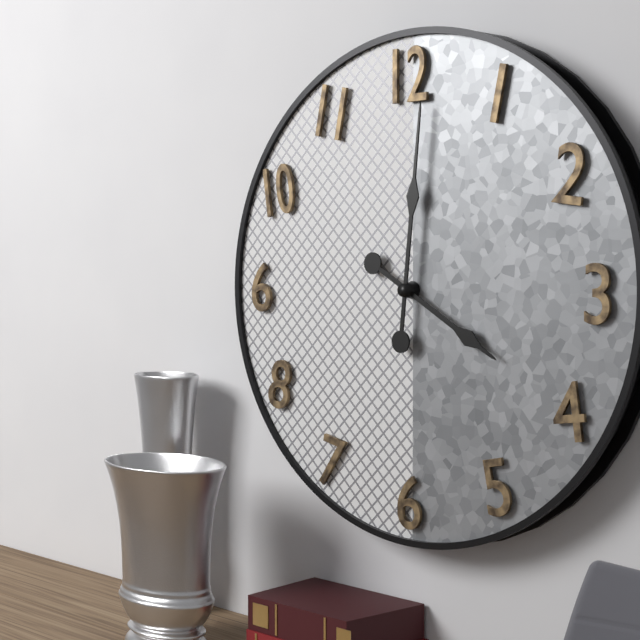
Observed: 4:01
